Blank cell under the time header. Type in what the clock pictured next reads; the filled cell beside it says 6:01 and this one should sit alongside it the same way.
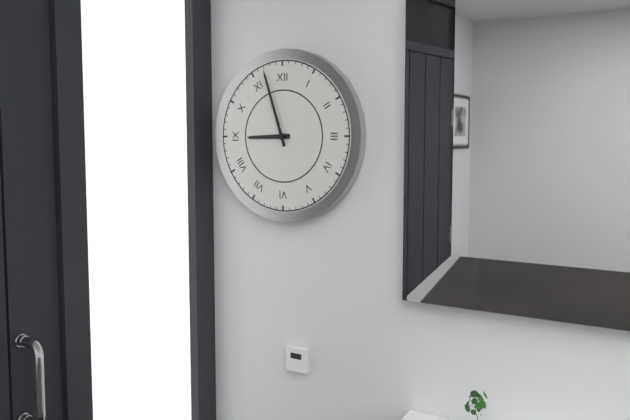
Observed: 8:57
